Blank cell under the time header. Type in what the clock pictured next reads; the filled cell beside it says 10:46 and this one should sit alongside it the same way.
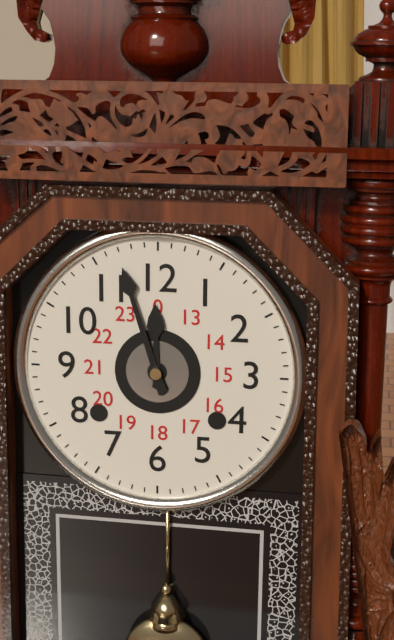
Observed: 11:57
